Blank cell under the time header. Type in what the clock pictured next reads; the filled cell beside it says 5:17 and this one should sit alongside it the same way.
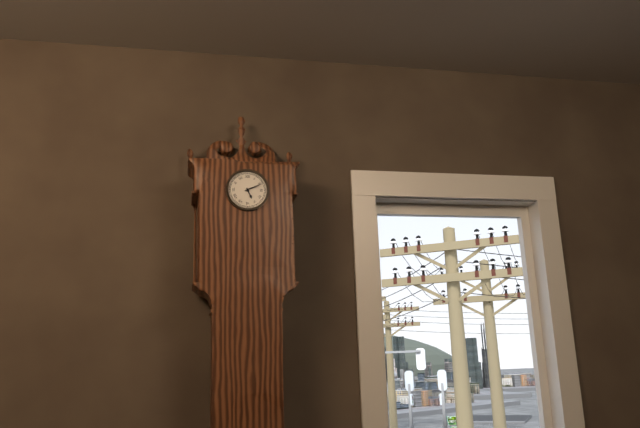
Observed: 5:11
